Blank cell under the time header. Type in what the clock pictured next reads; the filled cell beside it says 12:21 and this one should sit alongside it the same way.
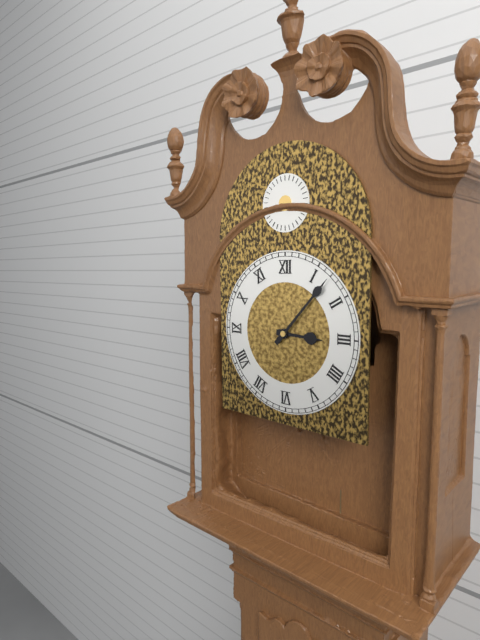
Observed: 3:07
